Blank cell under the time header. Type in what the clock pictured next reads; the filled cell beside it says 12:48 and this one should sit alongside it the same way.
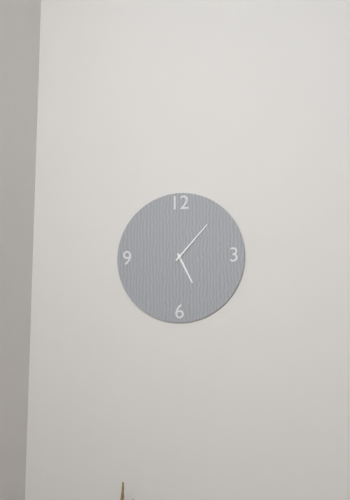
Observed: 5:07
